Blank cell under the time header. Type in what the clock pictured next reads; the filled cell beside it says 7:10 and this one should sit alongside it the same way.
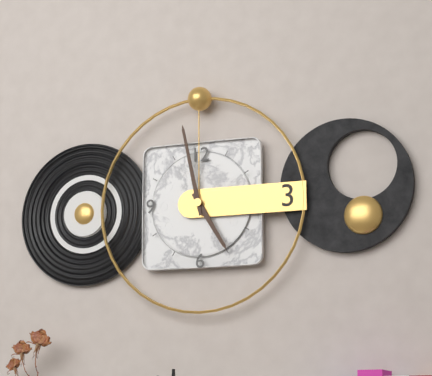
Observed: 4:58
